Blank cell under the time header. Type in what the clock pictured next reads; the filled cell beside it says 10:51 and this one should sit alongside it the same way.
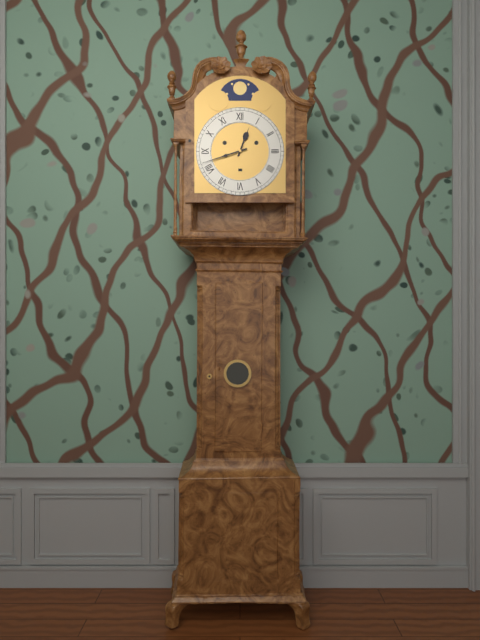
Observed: 12:42
